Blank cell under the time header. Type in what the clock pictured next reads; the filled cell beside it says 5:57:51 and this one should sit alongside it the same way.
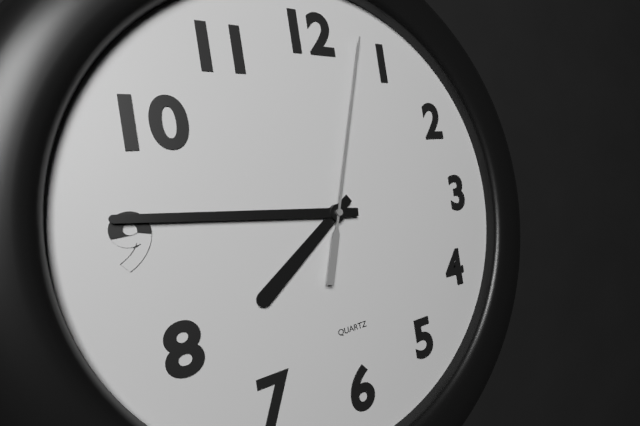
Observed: 7:46:03
